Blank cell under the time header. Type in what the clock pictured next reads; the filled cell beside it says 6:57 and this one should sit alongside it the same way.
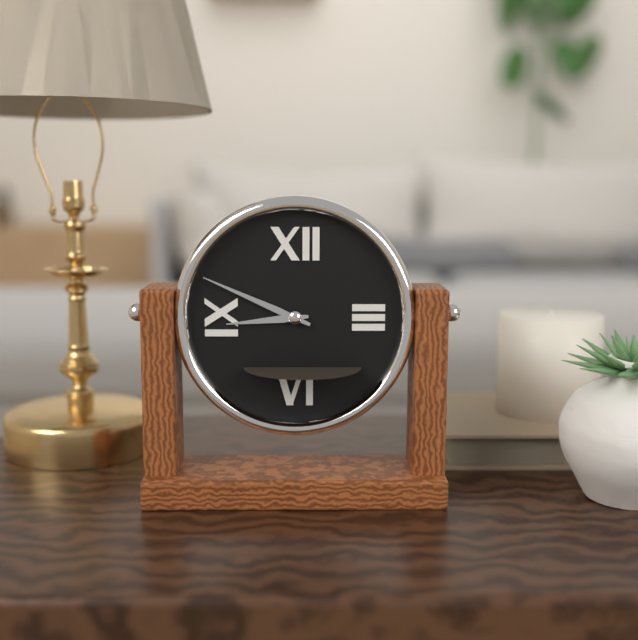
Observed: 8:49
